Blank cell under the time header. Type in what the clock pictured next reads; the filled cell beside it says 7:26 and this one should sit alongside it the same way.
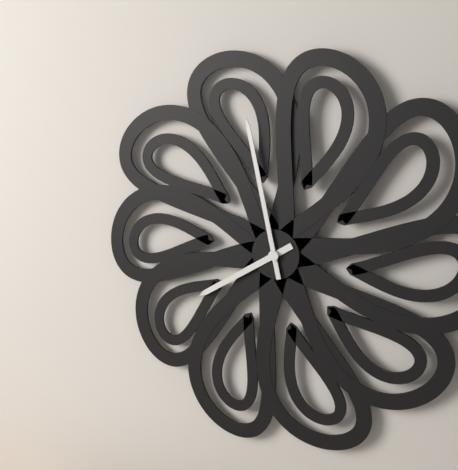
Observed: 7:58
